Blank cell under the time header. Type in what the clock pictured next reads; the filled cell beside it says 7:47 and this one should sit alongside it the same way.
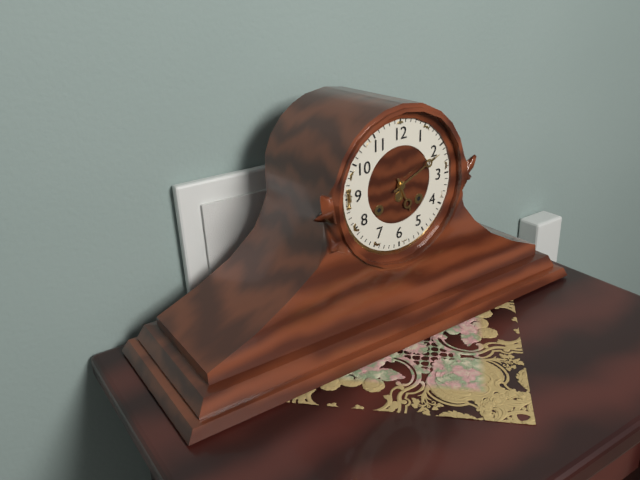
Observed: 5:11
